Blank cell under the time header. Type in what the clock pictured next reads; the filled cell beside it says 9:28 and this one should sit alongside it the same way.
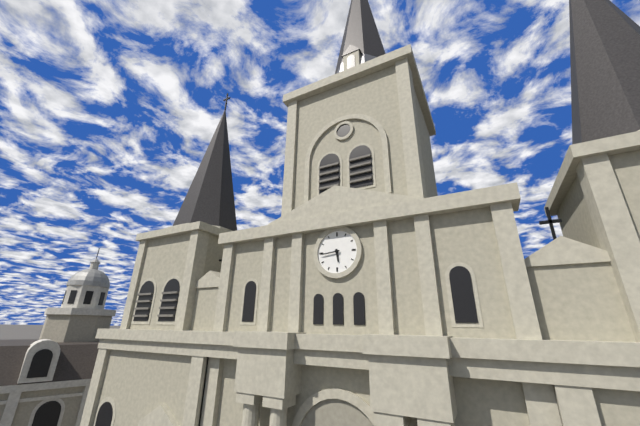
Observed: 5:44
